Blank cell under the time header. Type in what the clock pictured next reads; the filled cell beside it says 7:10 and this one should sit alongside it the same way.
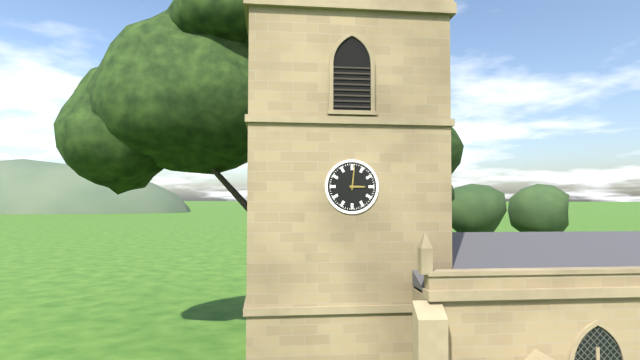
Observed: 3:01
